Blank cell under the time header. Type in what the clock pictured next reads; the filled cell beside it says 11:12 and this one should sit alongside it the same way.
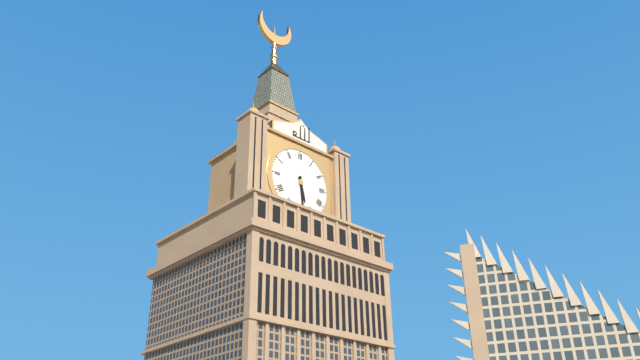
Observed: 5:29
